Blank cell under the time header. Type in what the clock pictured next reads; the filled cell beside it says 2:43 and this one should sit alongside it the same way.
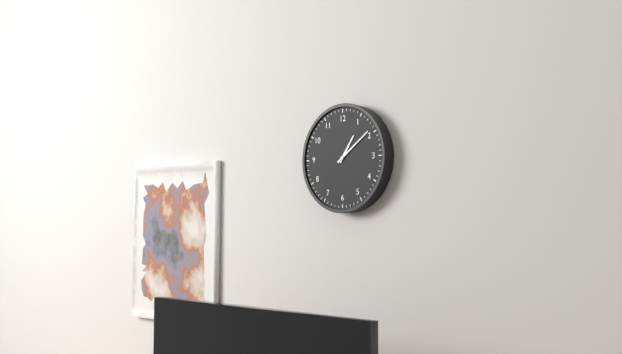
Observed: 1:09
